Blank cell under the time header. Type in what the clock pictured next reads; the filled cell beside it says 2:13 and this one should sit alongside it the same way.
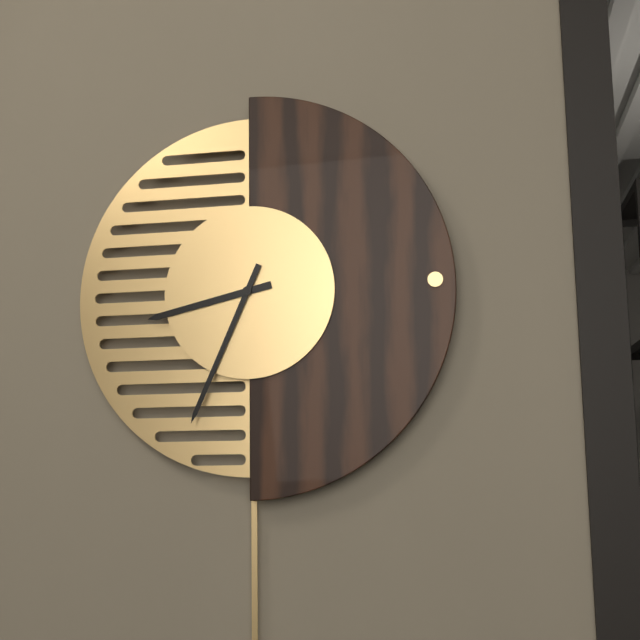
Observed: 8:34
